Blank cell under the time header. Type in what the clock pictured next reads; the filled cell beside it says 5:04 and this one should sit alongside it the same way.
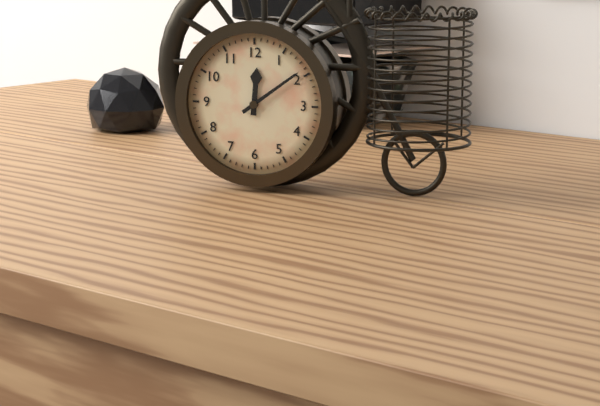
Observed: 12:09
